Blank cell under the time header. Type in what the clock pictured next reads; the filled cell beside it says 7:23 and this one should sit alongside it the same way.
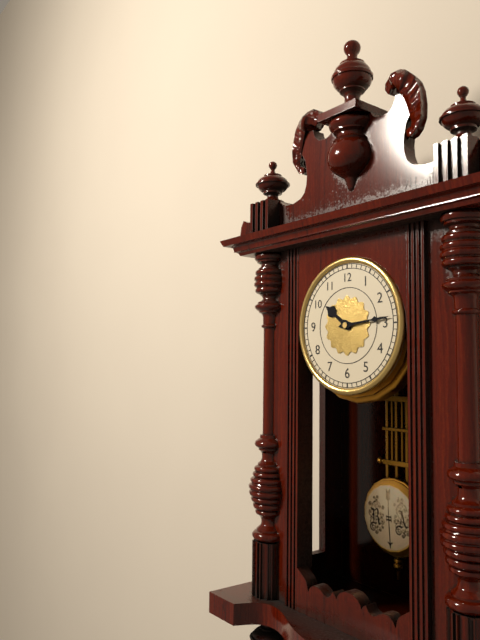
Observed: 10:14
